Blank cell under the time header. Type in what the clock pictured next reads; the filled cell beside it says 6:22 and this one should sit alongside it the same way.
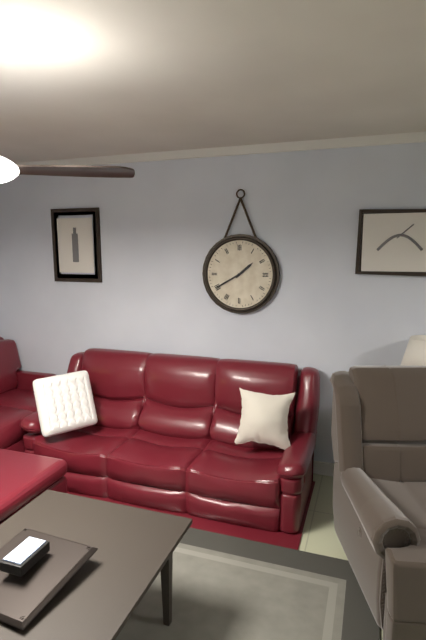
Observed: 1:40
